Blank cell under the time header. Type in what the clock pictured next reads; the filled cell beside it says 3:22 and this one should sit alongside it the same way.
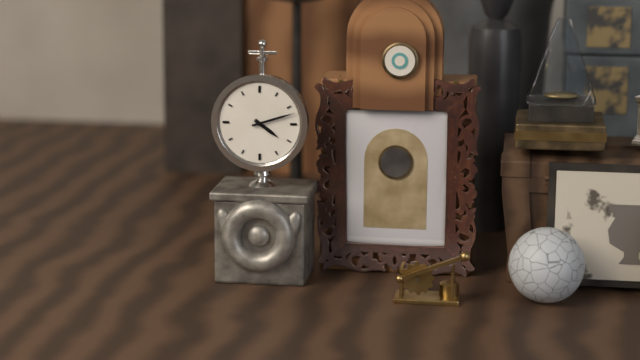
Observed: 4:12
